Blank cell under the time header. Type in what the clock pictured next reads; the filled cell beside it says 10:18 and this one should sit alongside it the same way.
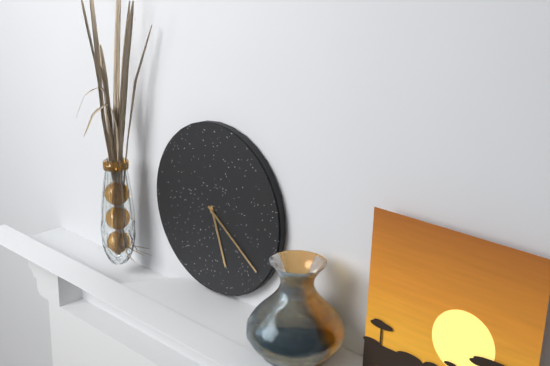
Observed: 5:21
